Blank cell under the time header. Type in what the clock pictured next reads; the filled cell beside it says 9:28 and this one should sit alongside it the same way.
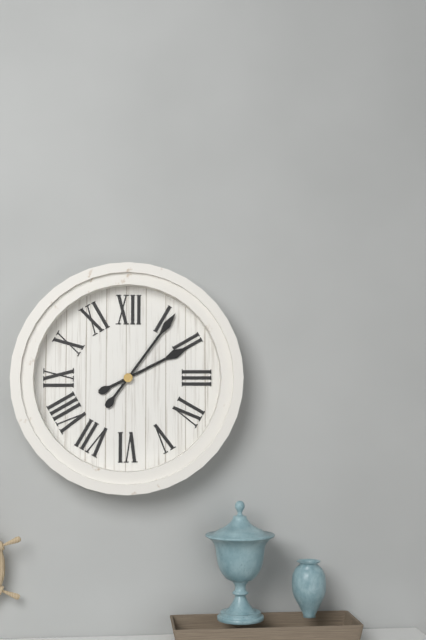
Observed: 2:06
